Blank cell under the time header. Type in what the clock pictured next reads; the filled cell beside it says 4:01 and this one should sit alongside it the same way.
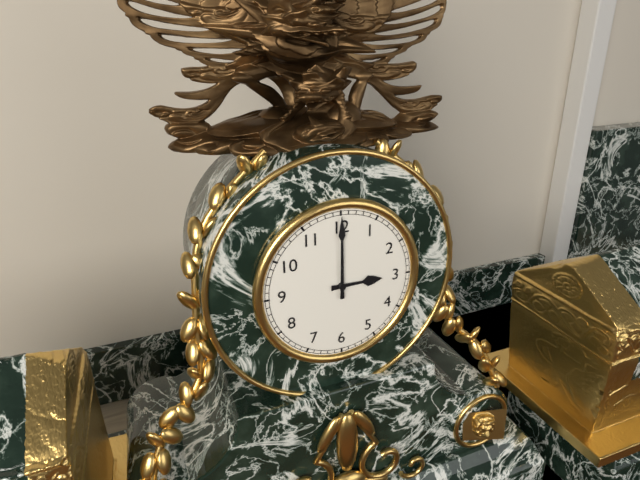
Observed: 3:00
